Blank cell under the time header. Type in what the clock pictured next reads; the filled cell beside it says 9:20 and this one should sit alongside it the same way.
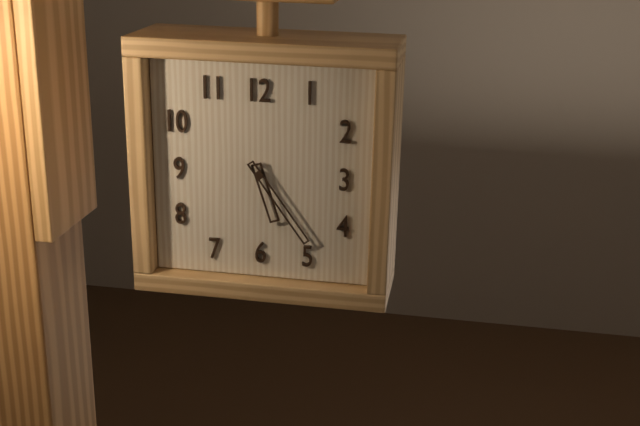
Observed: 5:24
